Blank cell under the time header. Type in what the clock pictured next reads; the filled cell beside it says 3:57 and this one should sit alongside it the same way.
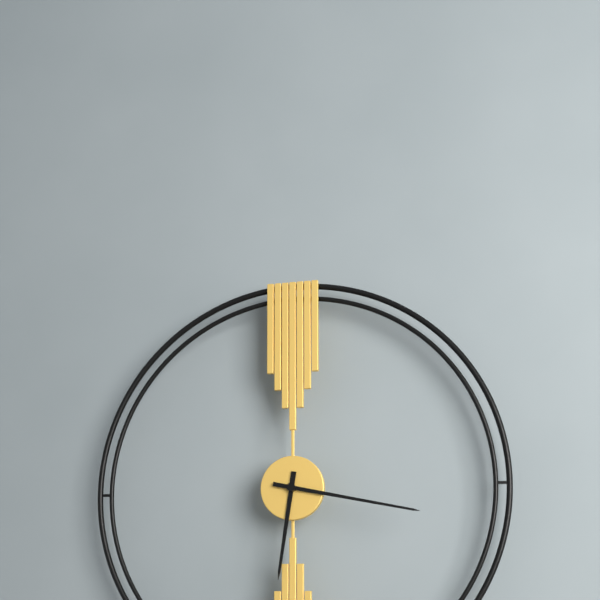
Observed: 6:17
